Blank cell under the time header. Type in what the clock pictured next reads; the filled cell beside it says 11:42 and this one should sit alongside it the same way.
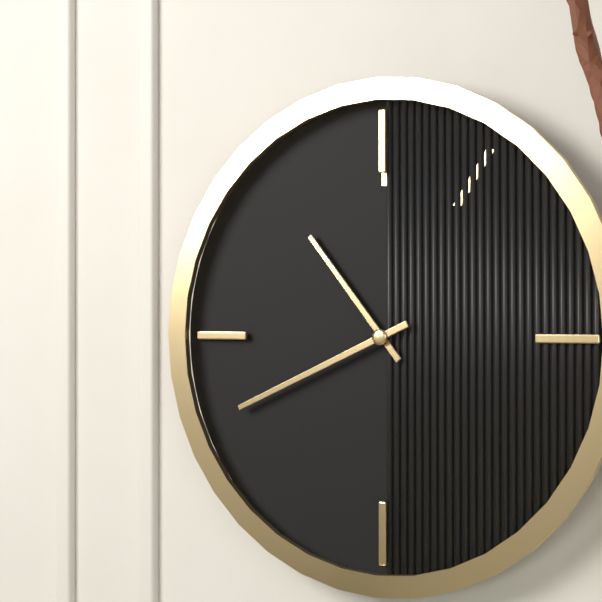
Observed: 10:41
